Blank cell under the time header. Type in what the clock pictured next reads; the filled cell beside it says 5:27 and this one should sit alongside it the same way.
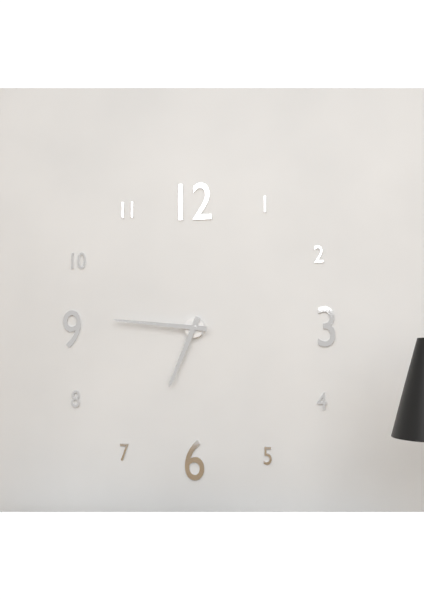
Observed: 6:46
